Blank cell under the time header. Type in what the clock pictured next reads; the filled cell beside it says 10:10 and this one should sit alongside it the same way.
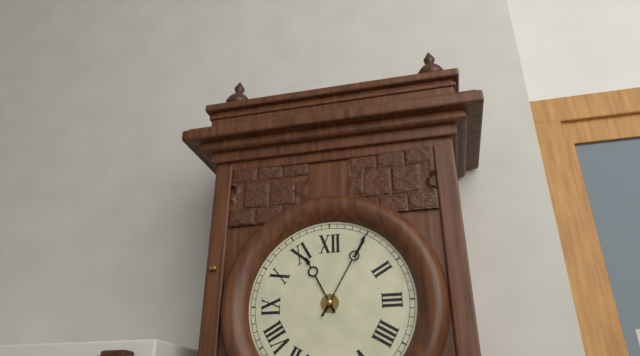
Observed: 11:05
